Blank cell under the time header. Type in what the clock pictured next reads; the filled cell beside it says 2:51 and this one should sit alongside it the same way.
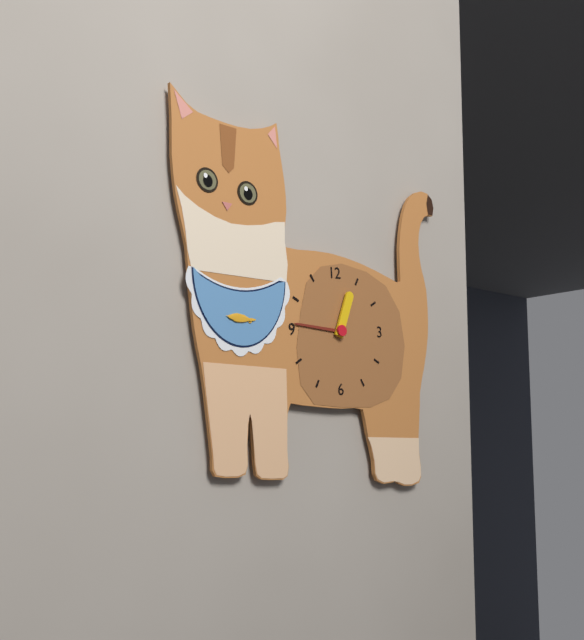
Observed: 12:46
